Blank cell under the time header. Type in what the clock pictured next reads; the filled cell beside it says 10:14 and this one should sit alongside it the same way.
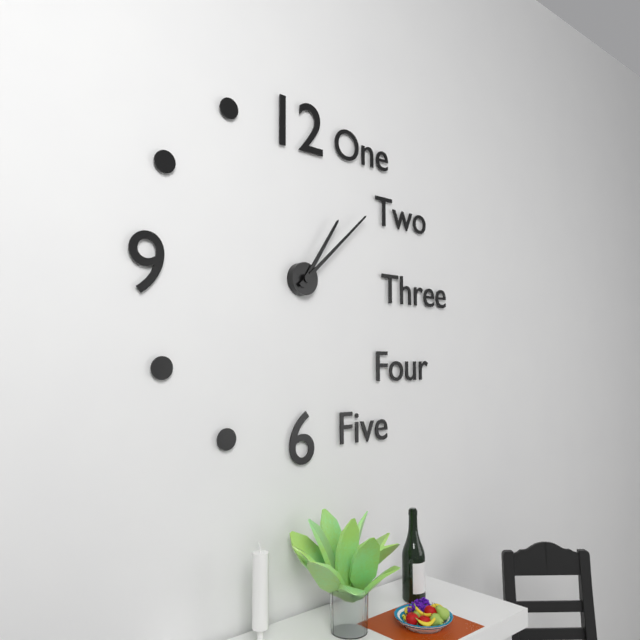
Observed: 1:08
